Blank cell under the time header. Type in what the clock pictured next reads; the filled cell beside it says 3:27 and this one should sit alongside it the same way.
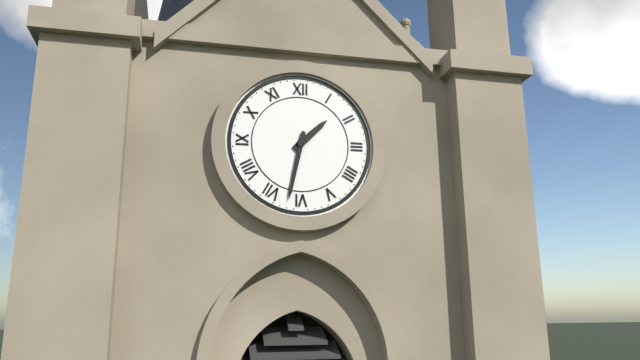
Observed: 1:32
